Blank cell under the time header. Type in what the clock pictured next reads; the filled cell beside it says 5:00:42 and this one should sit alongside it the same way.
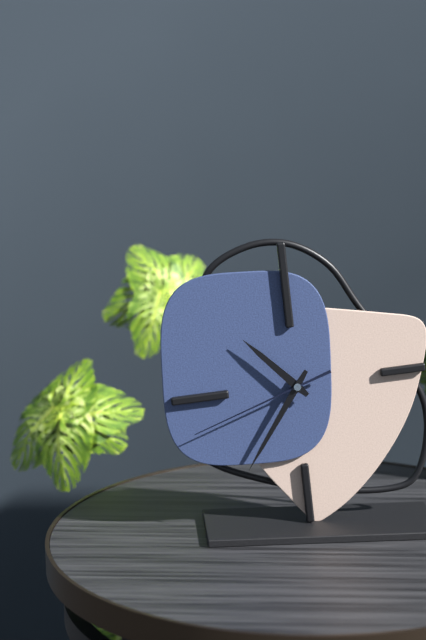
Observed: 10:36:42
